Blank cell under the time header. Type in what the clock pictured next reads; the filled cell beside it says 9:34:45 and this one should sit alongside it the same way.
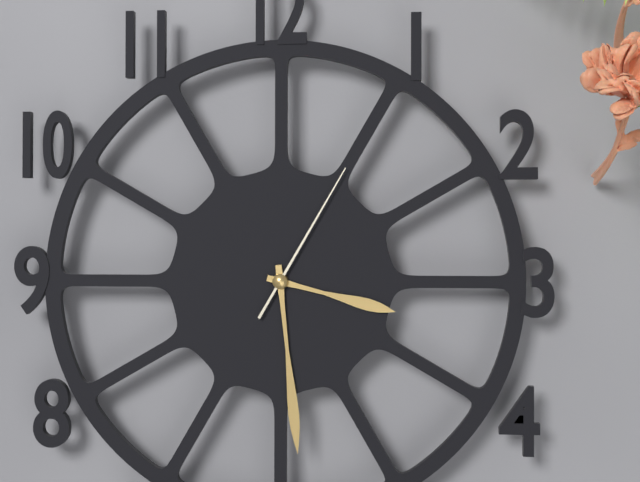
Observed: 3:29:05
